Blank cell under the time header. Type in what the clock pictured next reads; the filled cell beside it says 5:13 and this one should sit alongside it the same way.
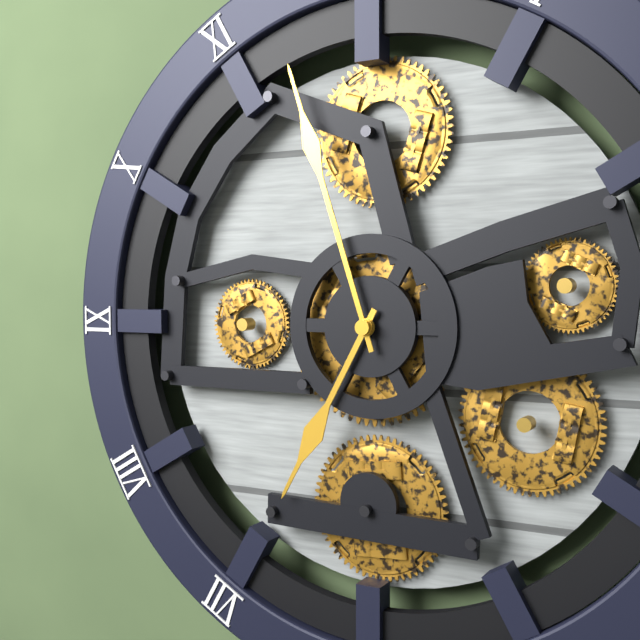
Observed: 6:57
